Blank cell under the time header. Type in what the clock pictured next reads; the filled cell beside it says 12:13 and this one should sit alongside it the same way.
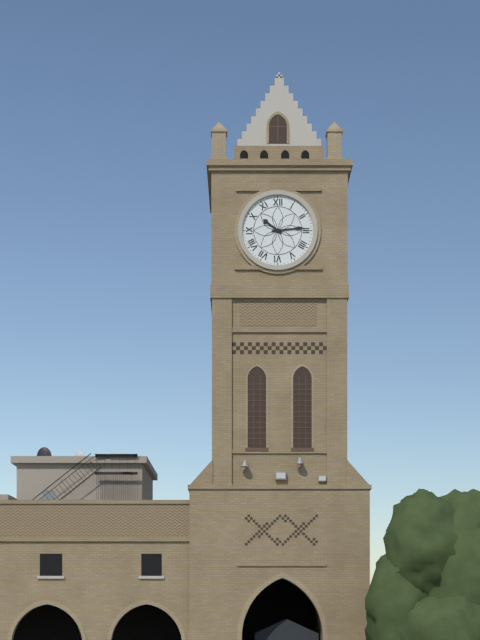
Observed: 10:14
